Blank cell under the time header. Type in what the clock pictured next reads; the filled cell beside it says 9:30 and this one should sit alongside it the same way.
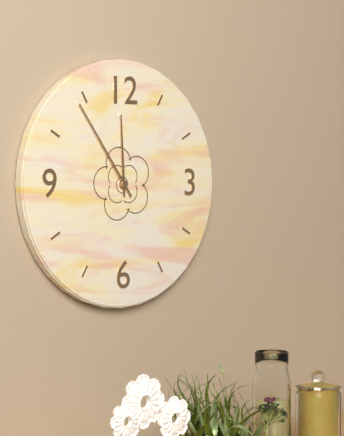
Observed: 11:54
